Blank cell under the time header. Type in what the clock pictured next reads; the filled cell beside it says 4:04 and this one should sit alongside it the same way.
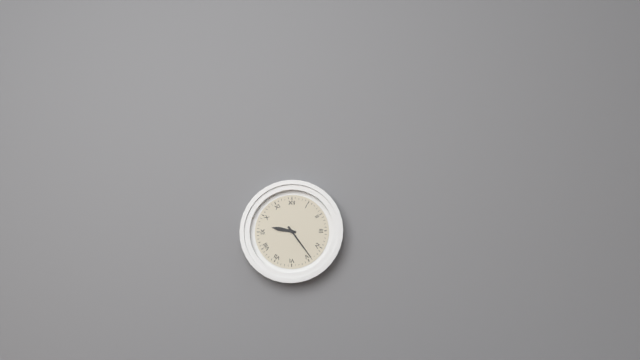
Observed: 9:24
